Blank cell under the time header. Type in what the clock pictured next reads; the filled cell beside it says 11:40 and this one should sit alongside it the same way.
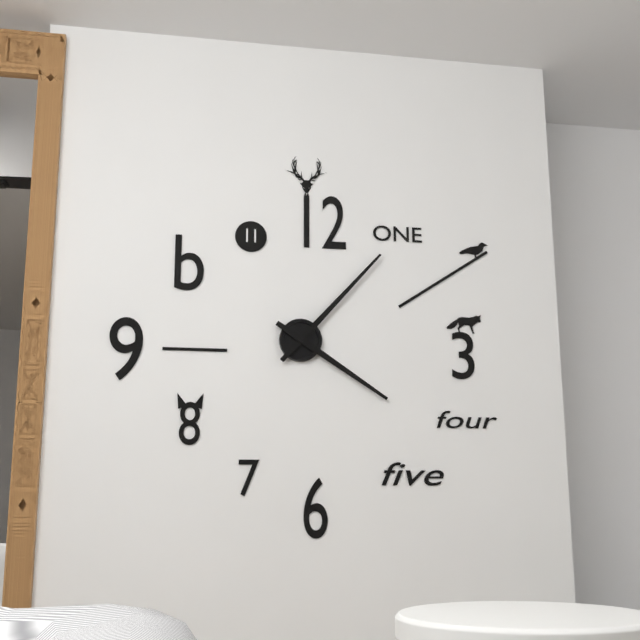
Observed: 4:07
